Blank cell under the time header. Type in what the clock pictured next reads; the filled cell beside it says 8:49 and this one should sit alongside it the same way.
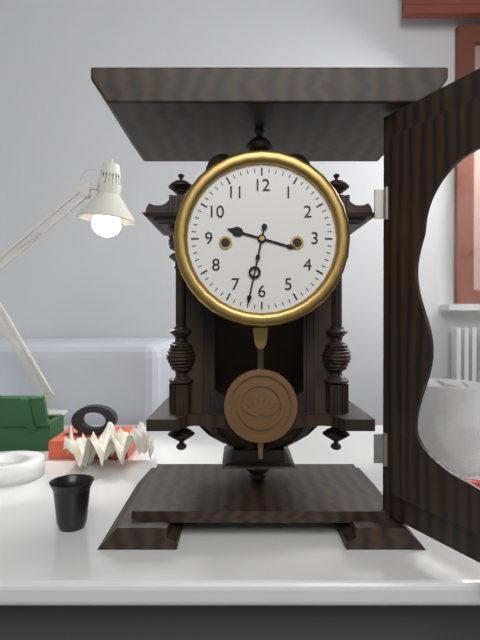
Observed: 9:32
